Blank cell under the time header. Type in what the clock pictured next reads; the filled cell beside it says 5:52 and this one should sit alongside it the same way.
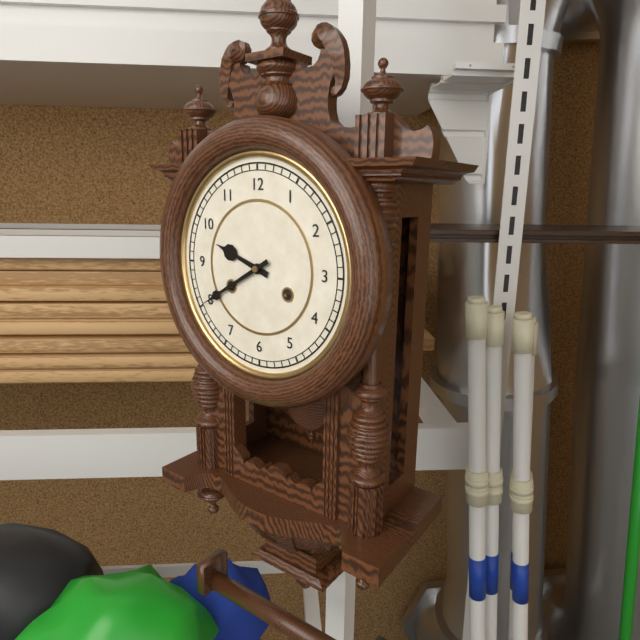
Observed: 9:40
